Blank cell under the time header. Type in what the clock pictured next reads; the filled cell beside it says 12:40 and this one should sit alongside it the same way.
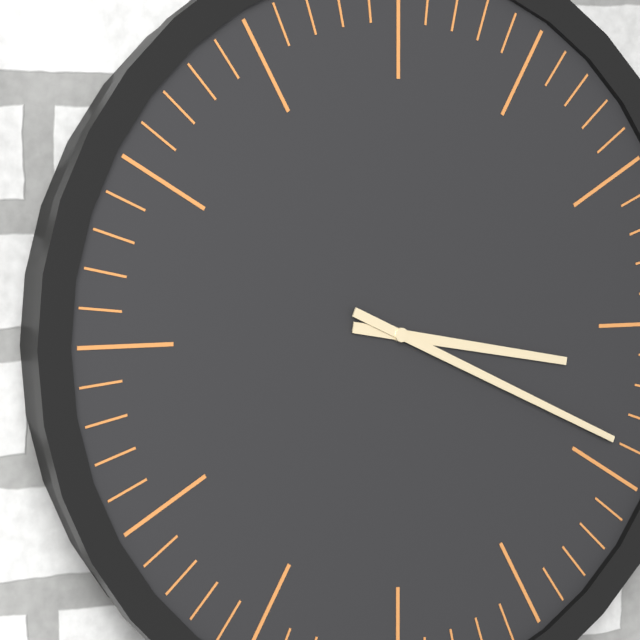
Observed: 3:19
